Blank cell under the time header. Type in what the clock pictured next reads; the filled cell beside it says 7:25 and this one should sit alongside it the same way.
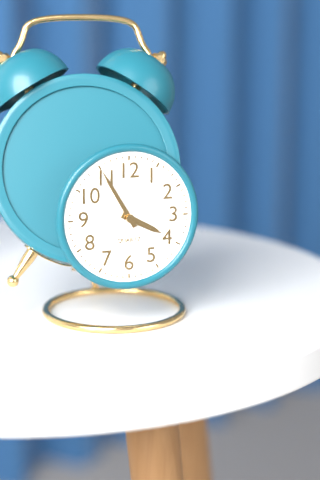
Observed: 3:55
